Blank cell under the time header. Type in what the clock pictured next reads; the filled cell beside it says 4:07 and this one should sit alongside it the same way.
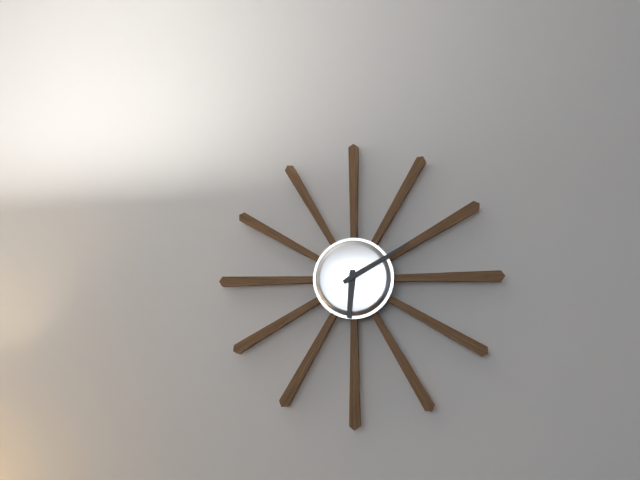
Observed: 6:10
